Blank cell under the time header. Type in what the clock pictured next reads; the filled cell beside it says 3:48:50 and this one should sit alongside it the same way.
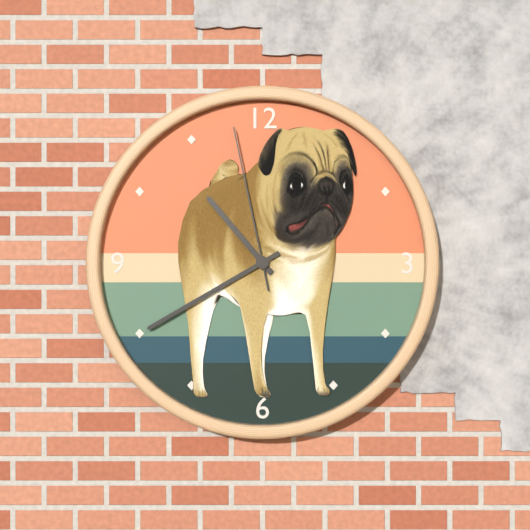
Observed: 10:40:58
